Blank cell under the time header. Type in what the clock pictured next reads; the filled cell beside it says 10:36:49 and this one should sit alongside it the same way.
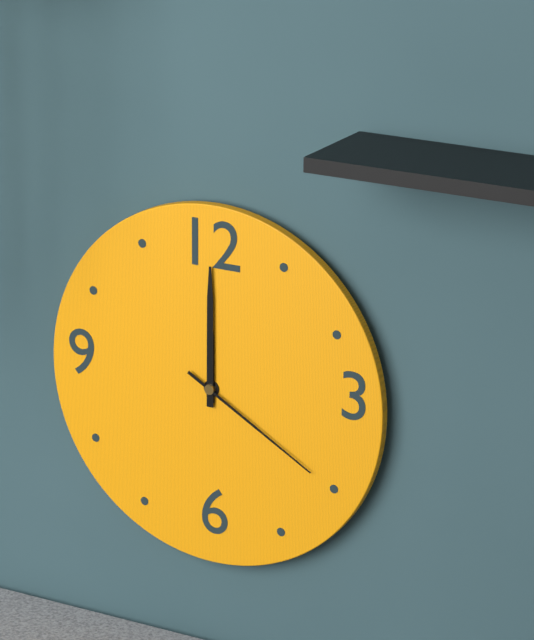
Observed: 12:00:20
